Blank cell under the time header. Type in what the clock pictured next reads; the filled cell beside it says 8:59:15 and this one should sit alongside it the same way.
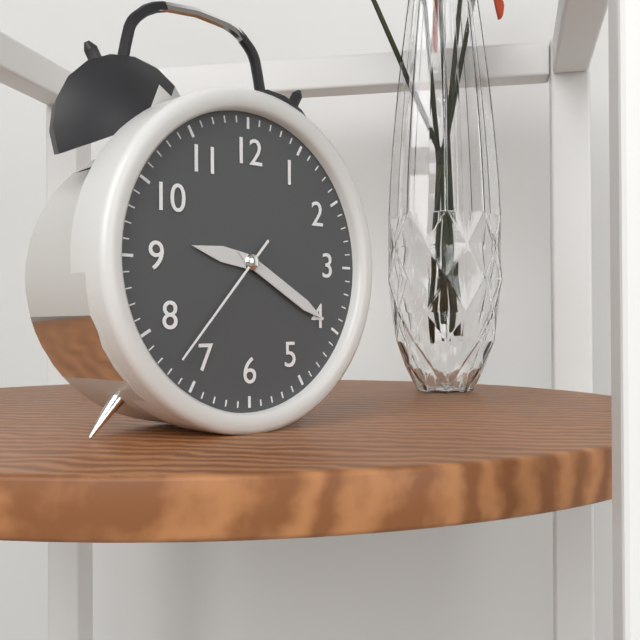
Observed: 9:20:37
